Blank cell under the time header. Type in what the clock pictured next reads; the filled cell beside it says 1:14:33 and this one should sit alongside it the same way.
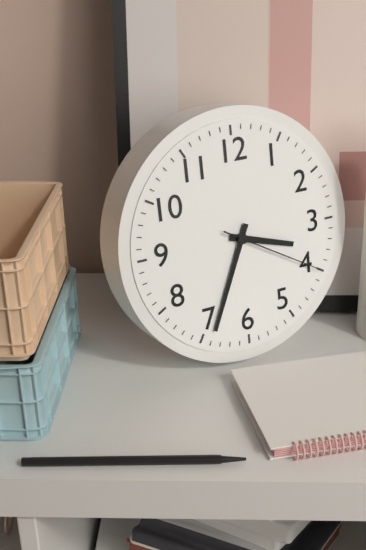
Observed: 3:34:20
